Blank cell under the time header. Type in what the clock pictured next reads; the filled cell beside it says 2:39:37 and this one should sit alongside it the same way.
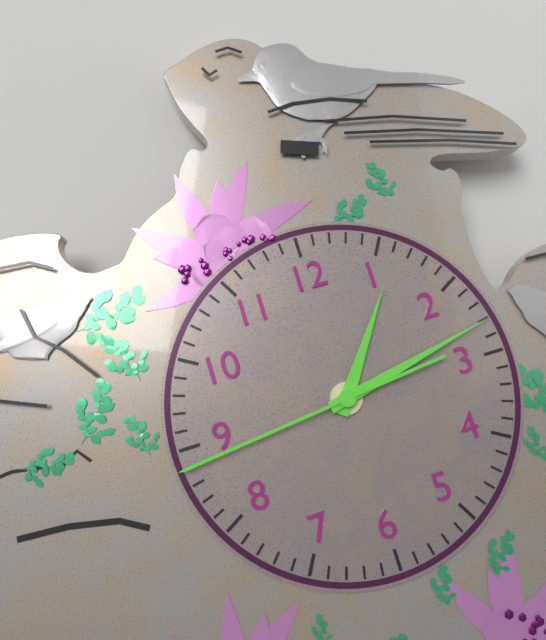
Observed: 1:13:44
